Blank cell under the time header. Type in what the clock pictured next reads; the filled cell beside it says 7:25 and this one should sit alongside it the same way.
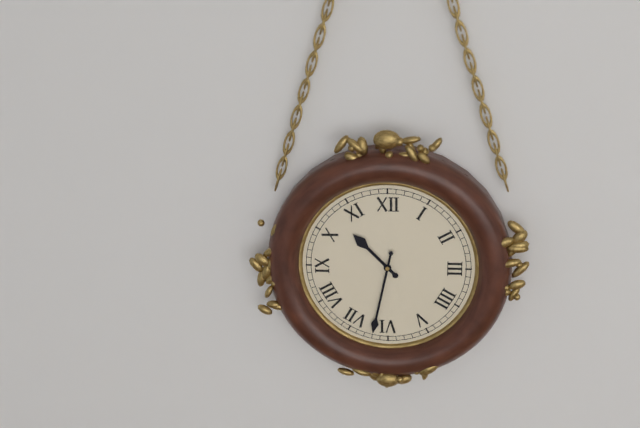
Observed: 10:32
